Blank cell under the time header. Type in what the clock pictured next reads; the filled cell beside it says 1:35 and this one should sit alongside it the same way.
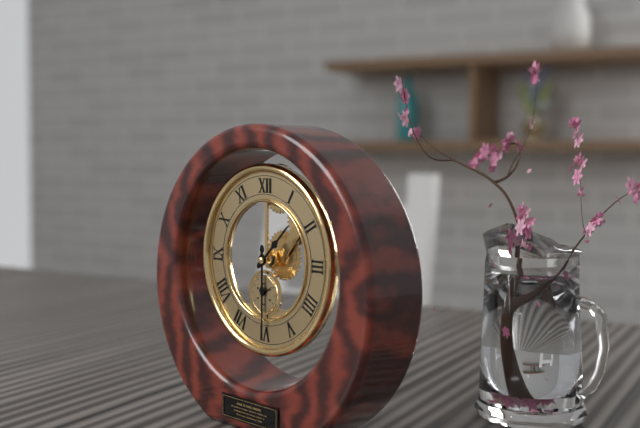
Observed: 1:30
